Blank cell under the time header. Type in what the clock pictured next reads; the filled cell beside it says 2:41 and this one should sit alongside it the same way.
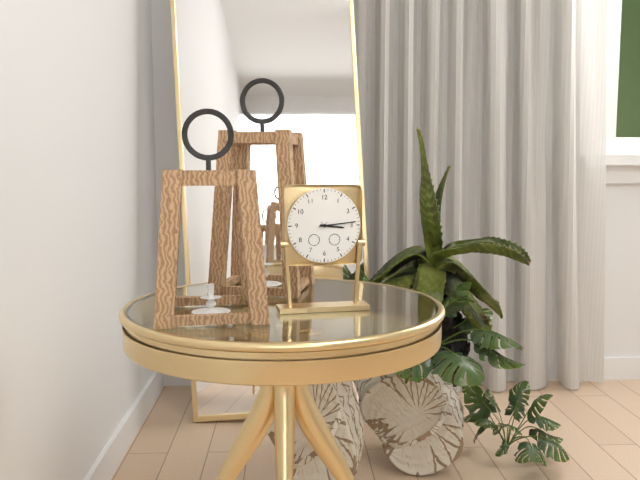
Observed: 3:14
